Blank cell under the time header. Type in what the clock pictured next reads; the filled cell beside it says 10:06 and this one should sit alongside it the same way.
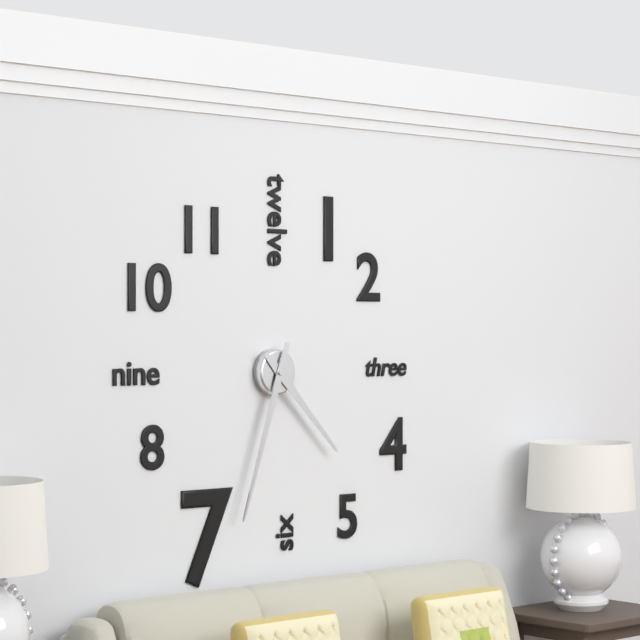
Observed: 4:33
